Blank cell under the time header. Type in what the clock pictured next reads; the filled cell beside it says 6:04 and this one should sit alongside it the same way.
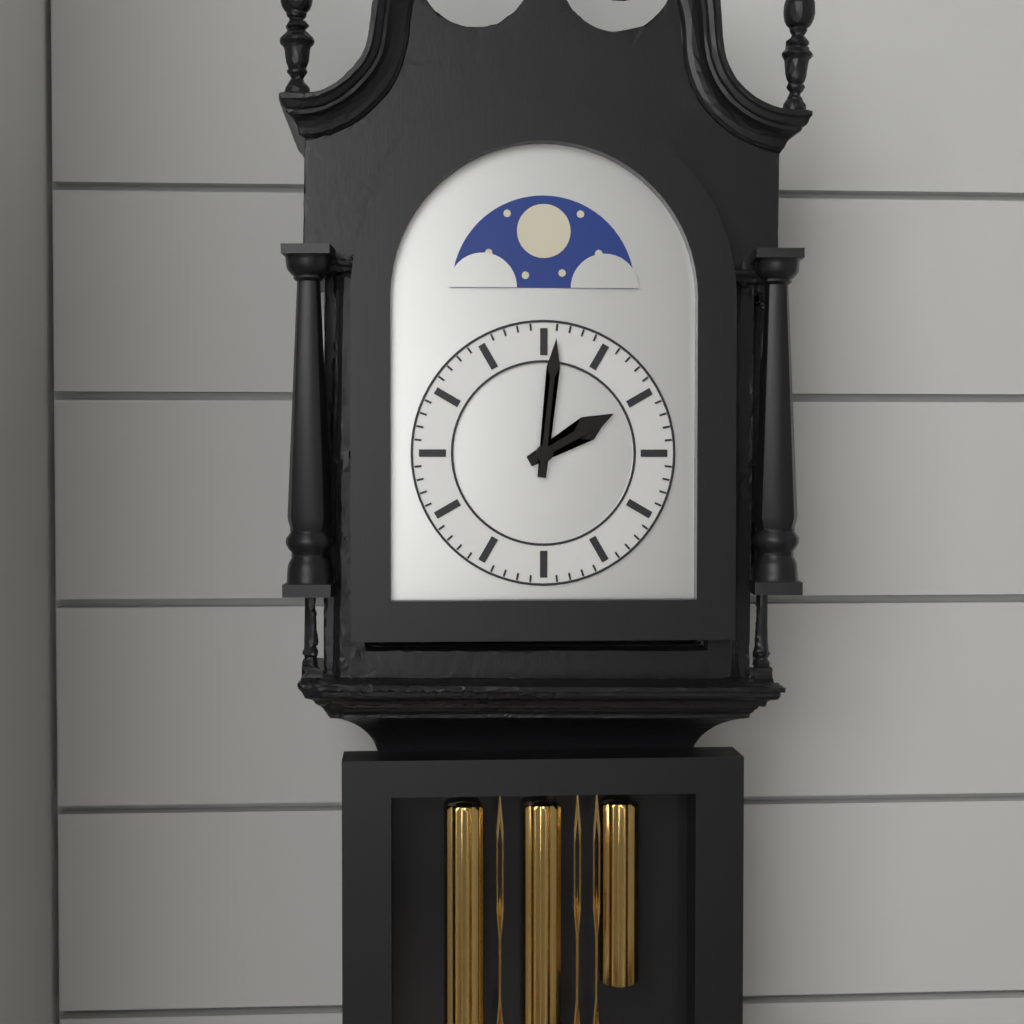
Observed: 2:01
